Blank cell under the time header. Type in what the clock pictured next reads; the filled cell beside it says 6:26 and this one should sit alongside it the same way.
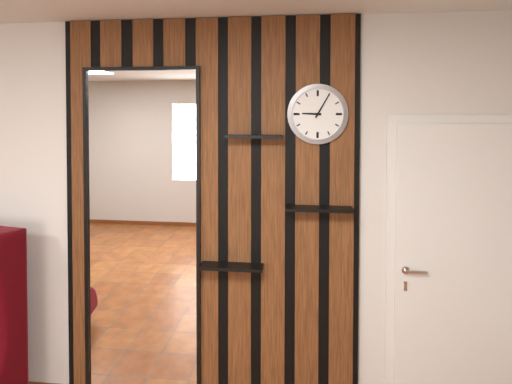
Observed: 9:05
